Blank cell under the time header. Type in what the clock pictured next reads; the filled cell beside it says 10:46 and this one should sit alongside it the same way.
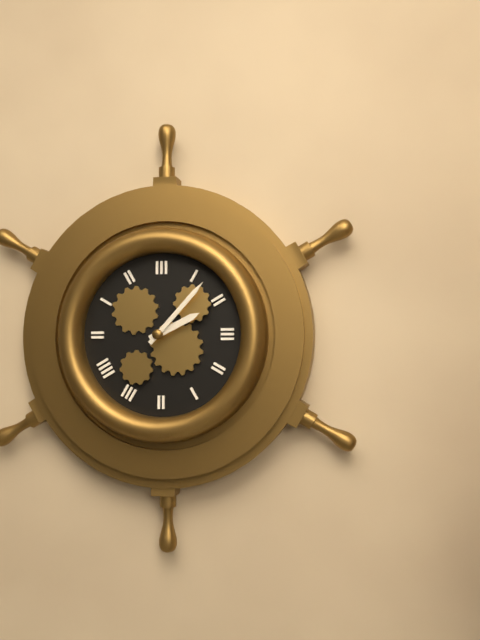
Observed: 2:07
